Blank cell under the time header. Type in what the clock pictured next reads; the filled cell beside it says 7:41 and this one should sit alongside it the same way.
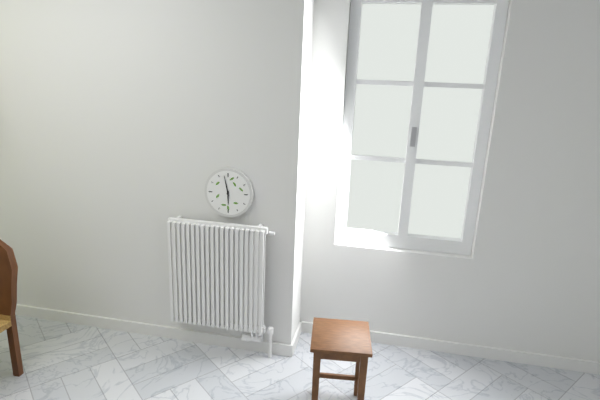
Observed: 5:58
